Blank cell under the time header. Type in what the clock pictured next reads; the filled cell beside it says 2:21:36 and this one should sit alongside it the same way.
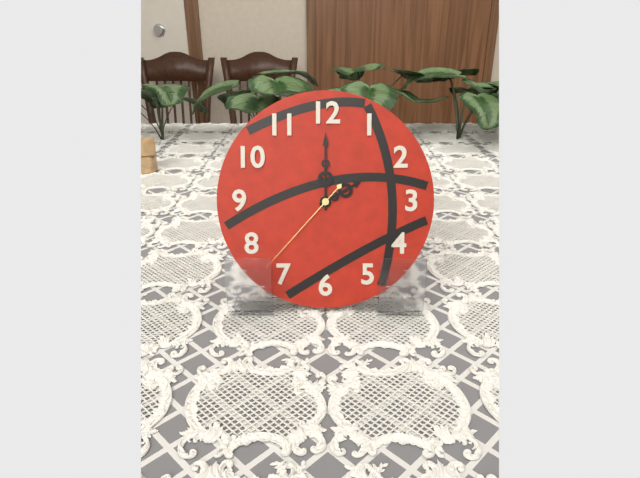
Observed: 2:00:37
